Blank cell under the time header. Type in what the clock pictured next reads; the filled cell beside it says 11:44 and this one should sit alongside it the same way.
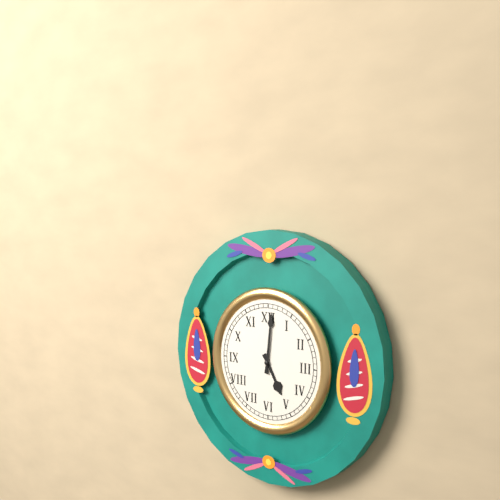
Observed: 5:01
